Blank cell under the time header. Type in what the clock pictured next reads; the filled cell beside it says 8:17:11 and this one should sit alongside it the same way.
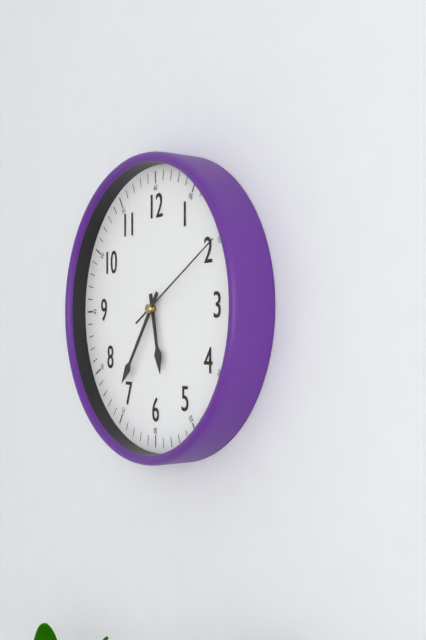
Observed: 5:36:10
